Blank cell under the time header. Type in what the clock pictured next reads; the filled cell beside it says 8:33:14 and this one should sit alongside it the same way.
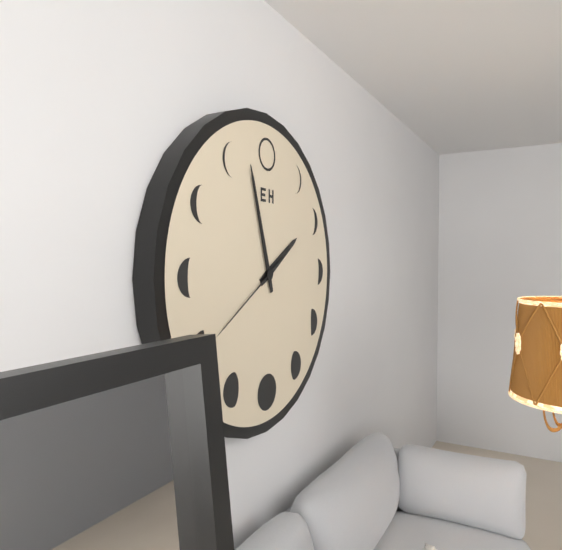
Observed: 1:57:40
